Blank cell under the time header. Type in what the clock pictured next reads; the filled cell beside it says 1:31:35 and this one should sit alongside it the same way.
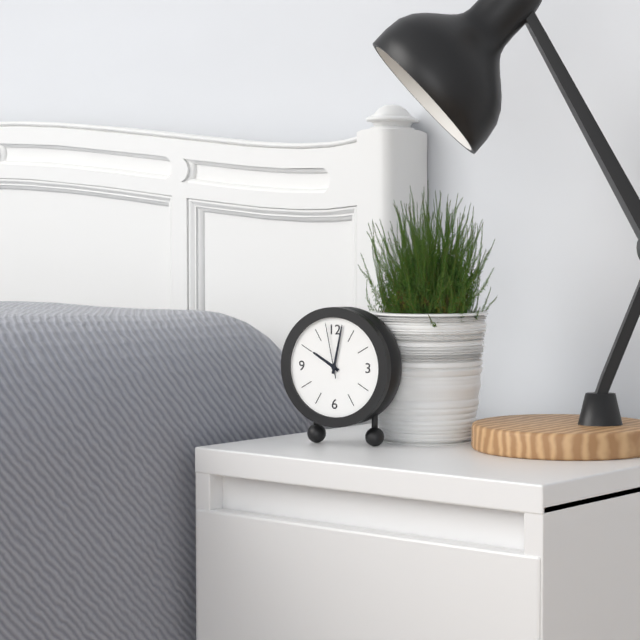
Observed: 10:02:58
